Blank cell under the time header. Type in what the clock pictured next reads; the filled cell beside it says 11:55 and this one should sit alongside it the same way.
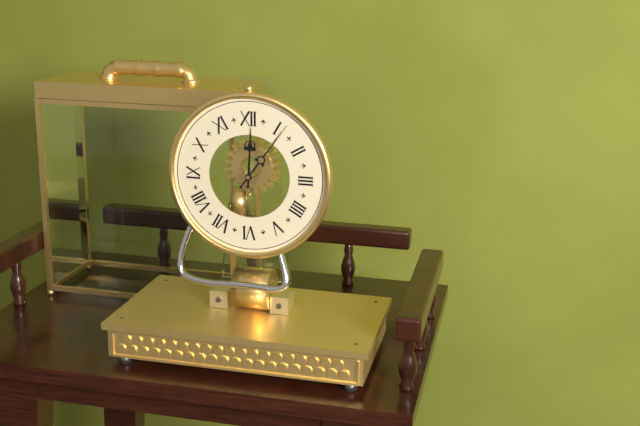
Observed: 12:06
